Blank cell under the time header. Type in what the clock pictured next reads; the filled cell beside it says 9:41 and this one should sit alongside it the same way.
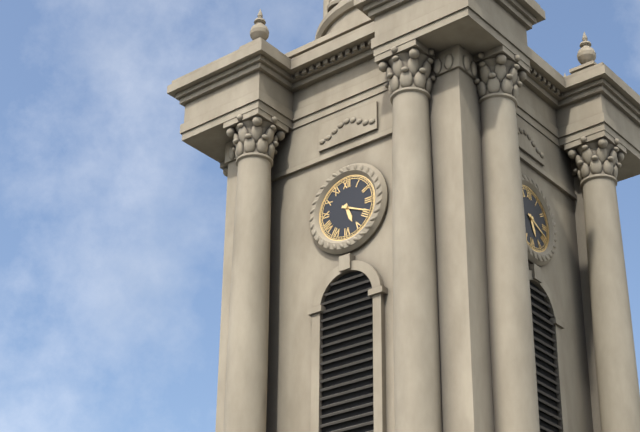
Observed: 5:19
